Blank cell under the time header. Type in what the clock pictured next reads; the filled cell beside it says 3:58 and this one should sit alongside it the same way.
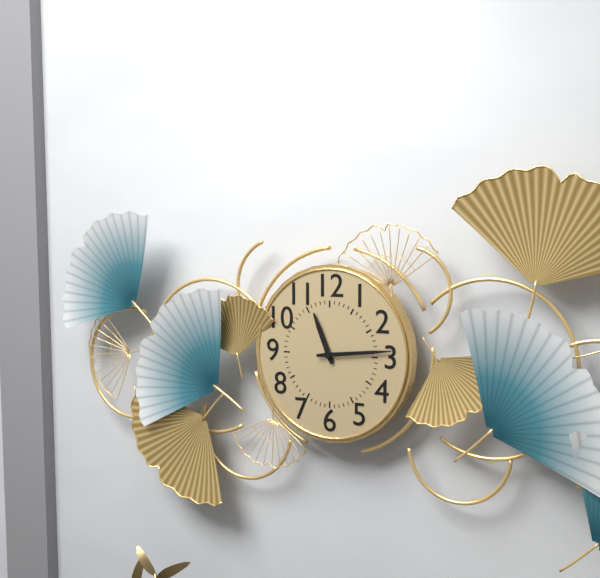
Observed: 11:14
